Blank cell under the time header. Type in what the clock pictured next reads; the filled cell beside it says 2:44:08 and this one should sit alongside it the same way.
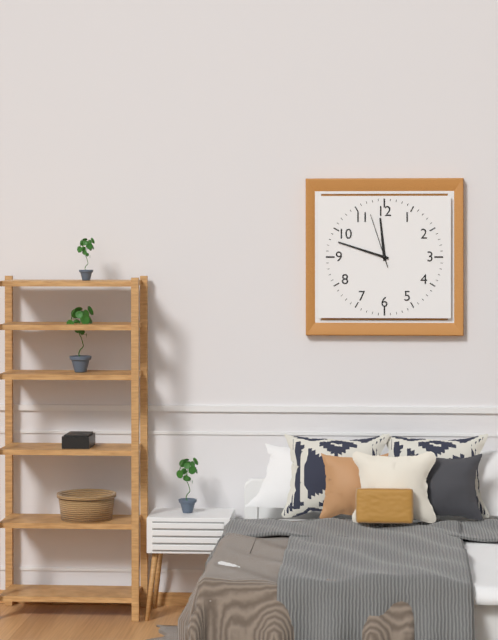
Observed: 11:48:57
